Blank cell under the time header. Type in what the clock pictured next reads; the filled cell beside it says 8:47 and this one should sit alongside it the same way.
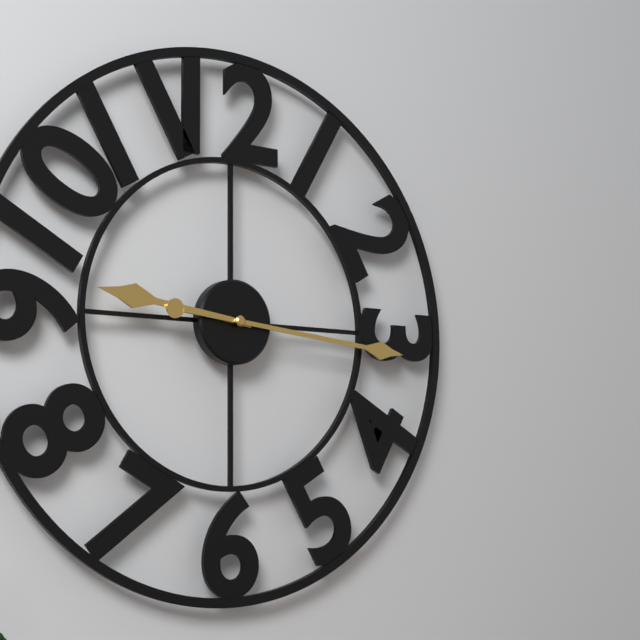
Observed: 9:16
